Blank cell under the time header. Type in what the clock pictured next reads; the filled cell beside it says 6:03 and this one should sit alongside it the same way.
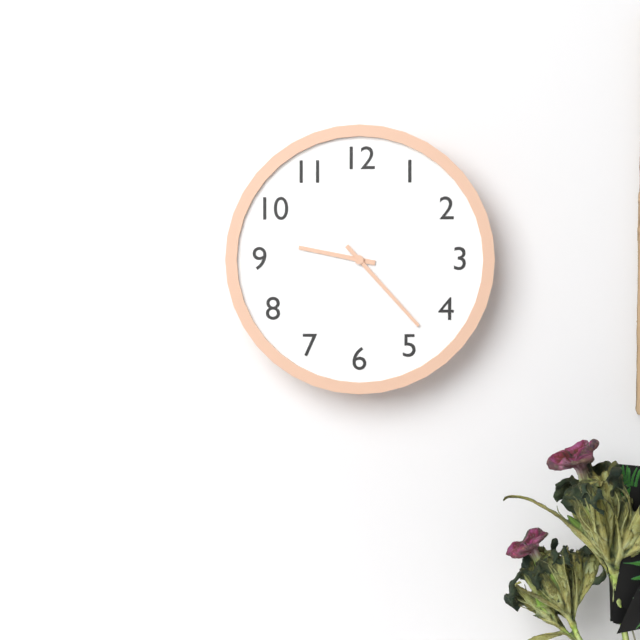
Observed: 9:23
